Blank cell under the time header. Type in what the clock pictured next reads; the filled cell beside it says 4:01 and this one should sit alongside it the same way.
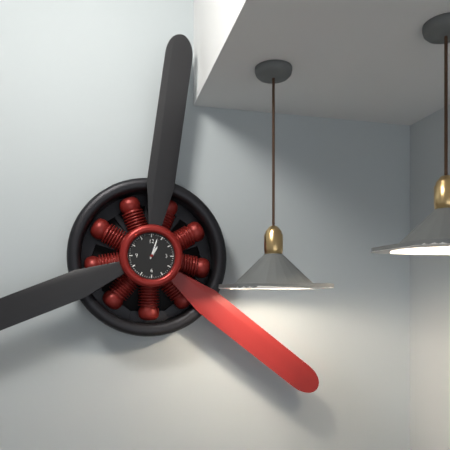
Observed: 1:03
